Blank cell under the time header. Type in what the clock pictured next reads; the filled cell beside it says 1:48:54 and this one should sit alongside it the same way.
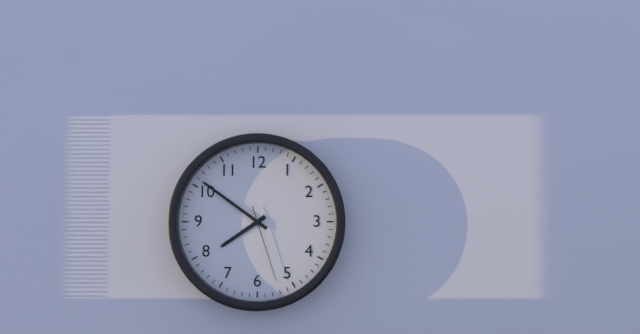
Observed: 7:51:27
